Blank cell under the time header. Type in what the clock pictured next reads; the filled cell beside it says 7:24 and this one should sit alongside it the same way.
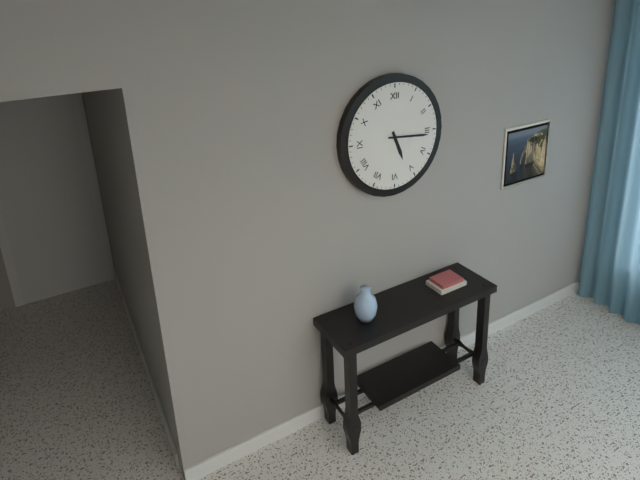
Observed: 5:16
